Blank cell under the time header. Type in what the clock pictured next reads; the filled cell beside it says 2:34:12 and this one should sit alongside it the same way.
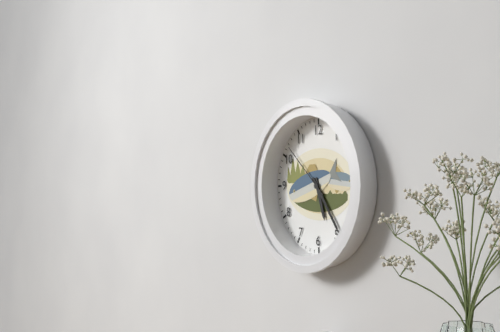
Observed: 5:24:52
